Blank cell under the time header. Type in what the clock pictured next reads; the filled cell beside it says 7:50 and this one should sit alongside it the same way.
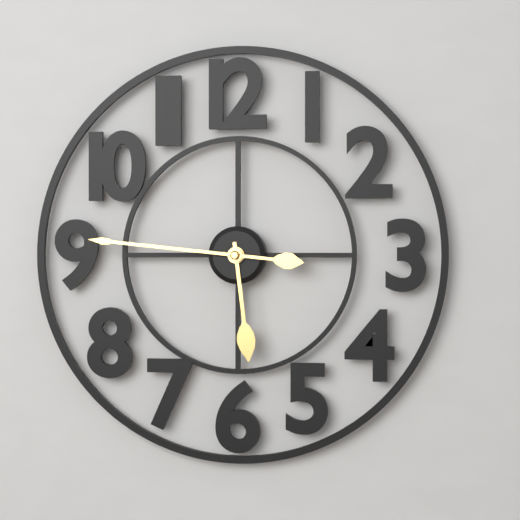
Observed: 5:46
